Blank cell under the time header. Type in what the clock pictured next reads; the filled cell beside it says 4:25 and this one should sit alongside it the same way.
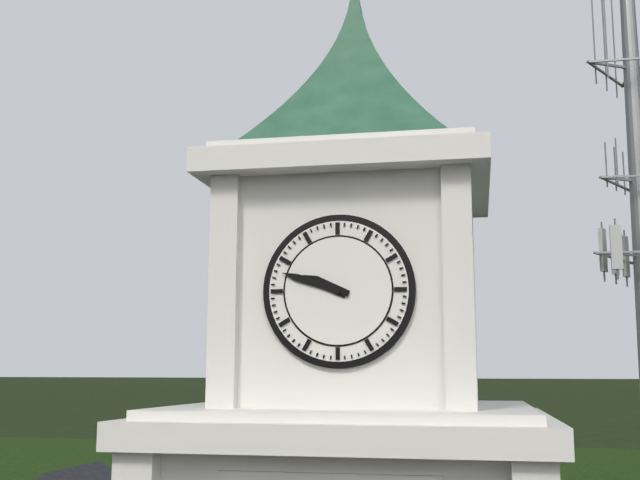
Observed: 9:48
